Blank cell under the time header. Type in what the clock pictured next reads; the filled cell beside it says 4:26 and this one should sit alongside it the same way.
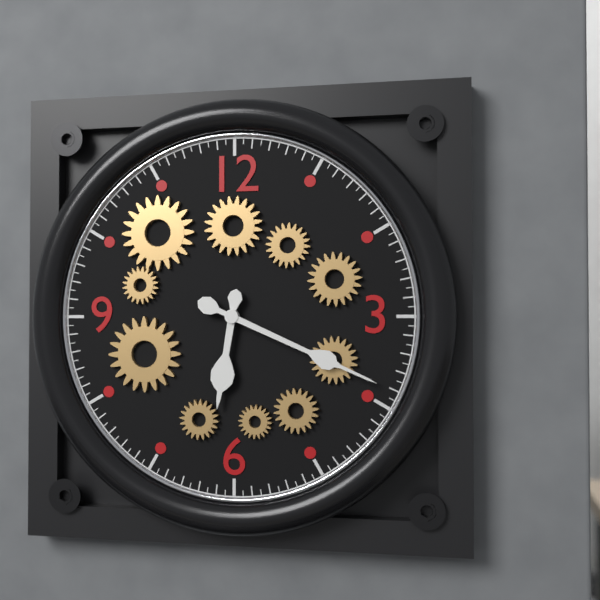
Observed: 6:19
